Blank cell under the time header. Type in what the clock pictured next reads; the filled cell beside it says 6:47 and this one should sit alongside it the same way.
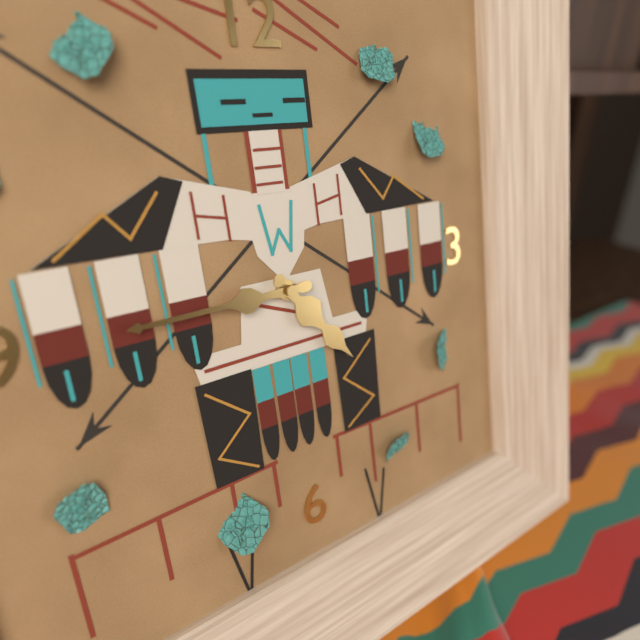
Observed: 4:45
